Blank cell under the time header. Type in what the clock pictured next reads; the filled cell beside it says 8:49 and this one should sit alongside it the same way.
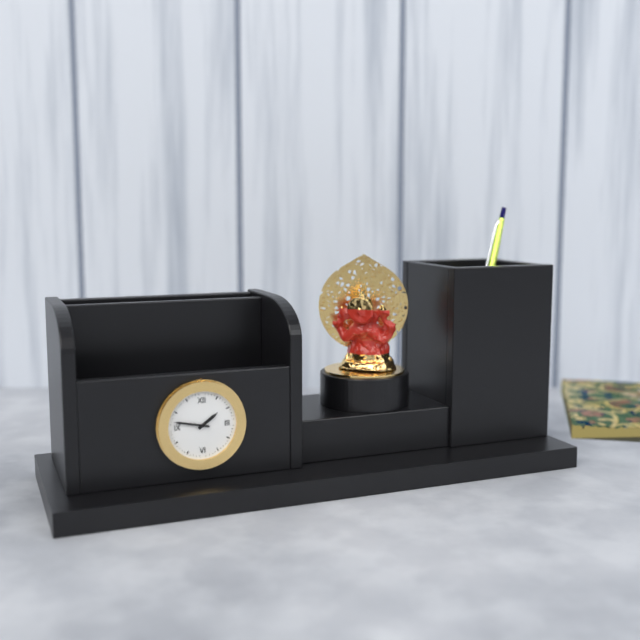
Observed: 1:47
